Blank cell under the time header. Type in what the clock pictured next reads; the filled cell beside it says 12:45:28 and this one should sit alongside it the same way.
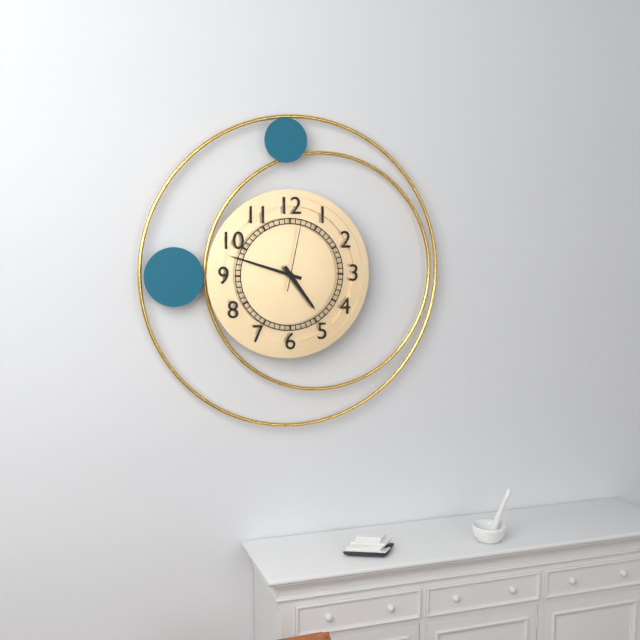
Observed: 4:48:02
